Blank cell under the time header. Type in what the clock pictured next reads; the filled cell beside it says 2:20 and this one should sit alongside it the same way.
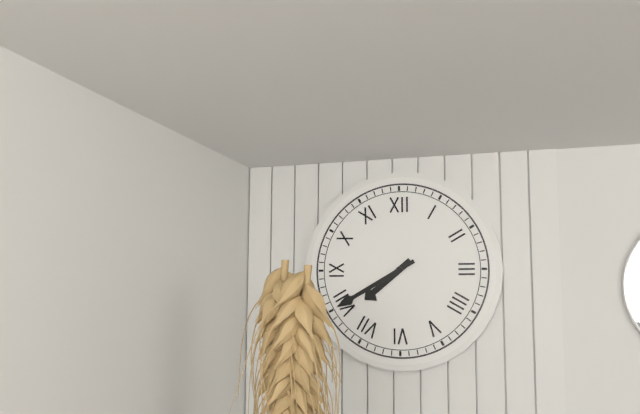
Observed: 7:40
